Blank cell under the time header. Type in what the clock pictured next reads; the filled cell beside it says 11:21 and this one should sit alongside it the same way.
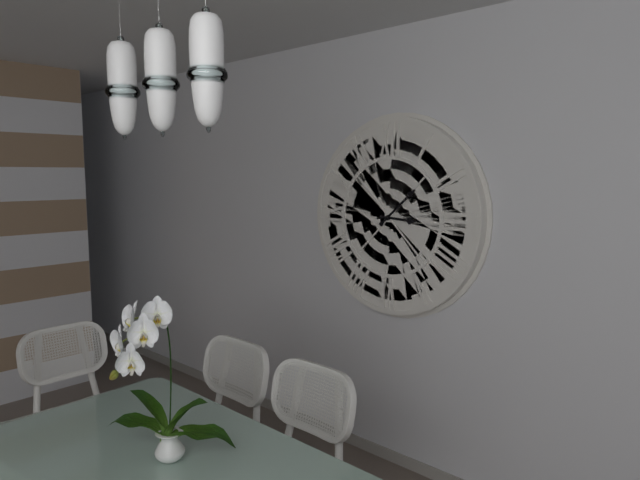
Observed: 3:08
